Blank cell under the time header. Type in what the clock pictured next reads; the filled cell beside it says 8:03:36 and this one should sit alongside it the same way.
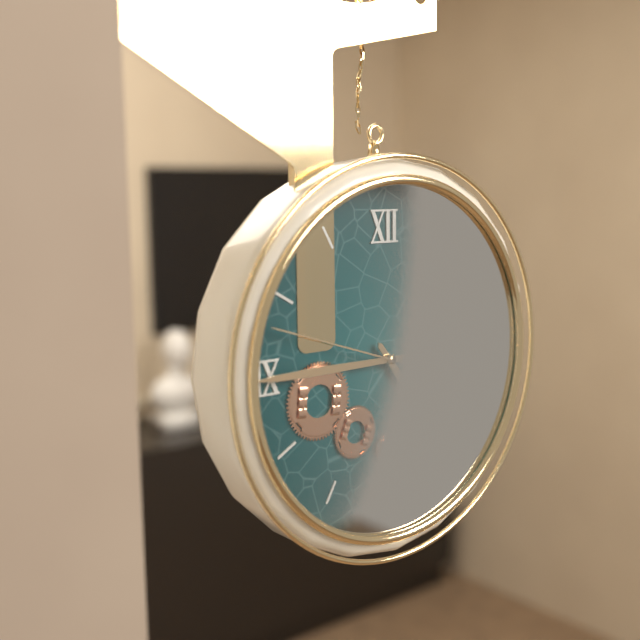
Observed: 4:45:48
